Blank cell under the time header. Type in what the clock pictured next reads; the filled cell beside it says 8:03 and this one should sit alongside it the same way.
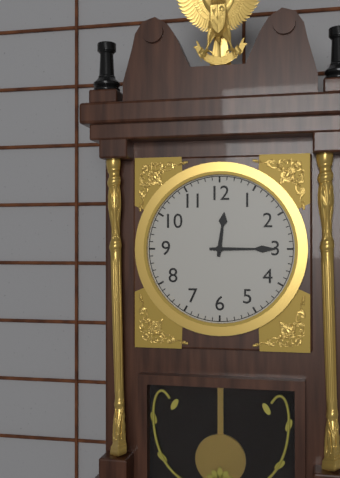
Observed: 12:15
